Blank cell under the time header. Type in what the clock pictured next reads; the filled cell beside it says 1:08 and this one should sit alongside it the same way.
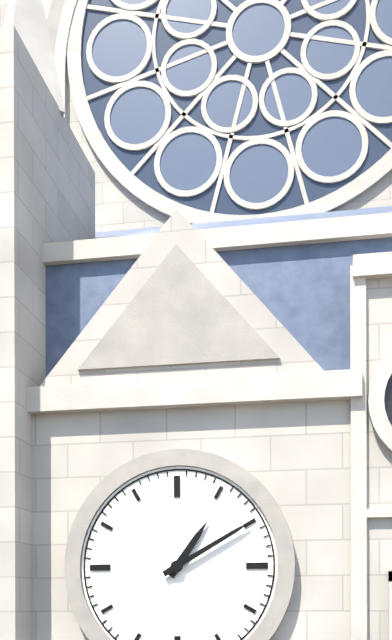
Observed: 1:10
